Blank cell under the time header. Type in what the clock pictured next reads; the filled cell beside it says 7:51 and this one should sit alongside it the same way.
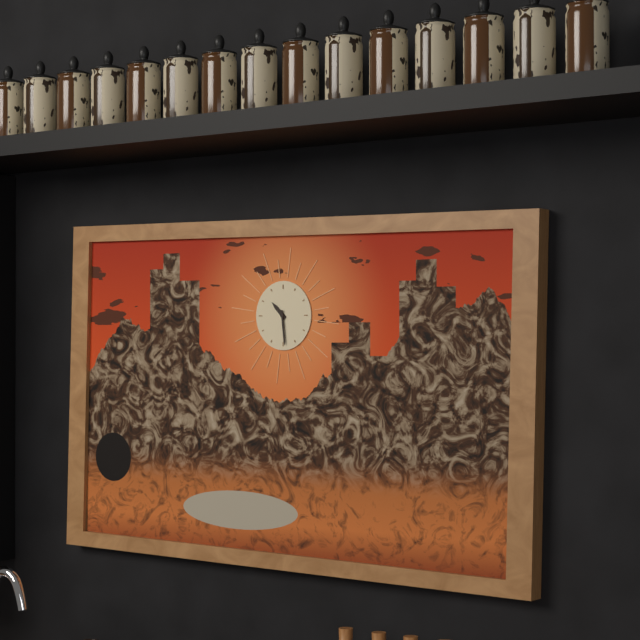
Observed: 10:29
